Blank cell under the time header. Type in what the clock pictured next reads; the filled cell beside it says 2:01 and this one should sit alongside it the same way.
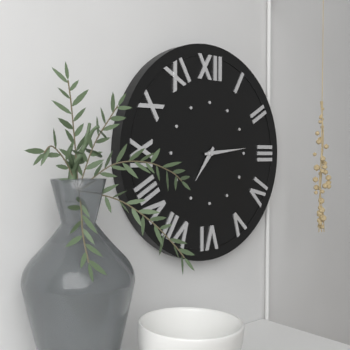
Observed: 7:14
